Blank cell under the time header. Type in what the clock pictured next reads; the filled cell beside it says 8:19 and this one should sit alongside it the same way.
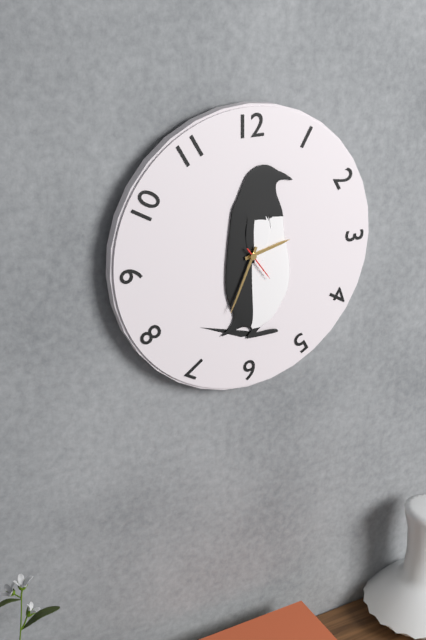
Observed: 2:34
